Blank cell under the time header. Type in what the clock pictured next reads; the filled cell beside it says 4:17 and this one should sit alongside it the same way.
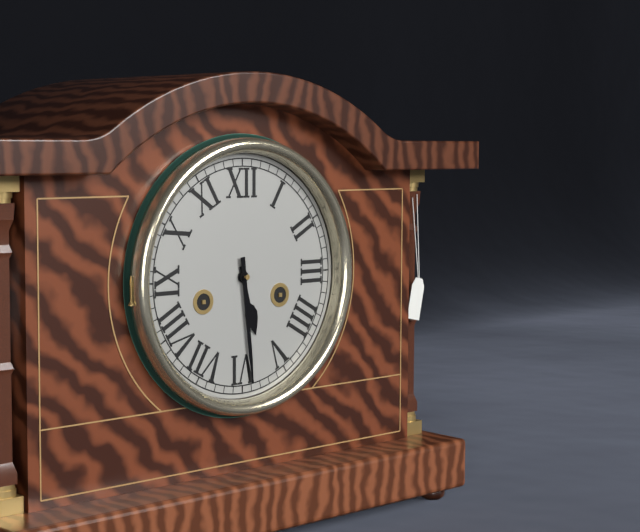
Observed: 5:29
